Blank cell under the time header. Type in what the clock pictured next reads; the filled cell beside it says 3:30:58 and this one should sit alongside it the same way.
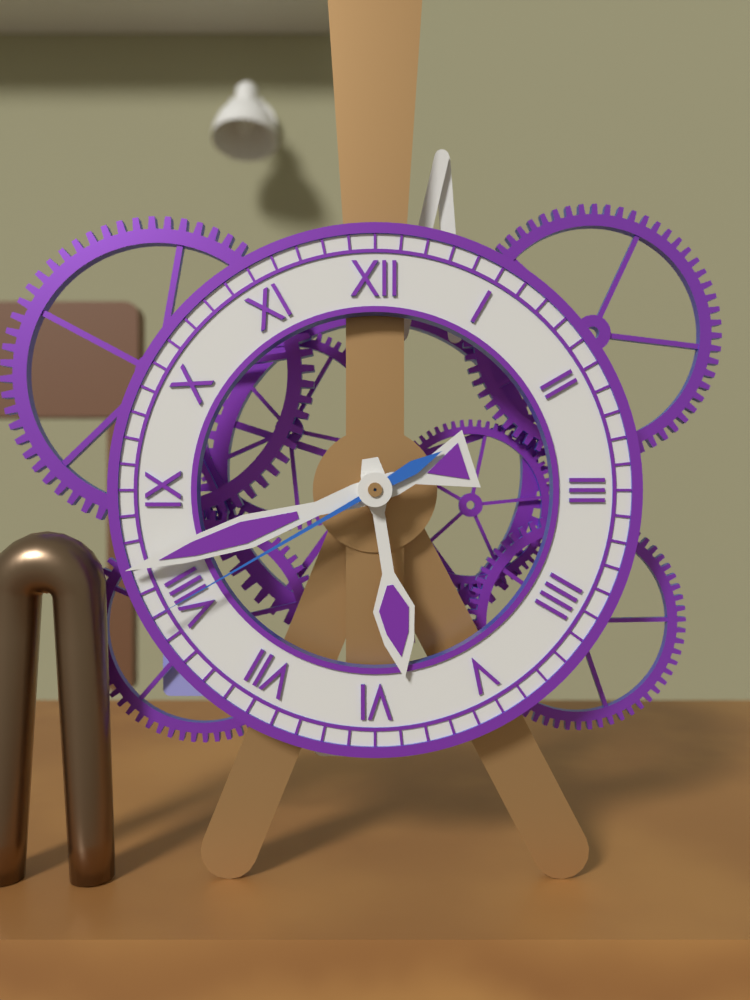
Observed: 5:42:40
